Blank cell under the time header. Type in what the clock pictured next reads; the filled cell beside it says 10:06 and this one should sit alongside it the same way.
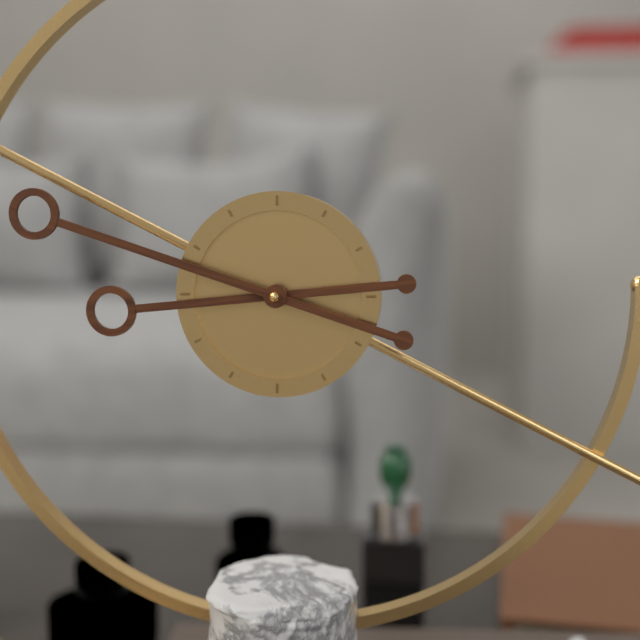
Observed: 8:48
